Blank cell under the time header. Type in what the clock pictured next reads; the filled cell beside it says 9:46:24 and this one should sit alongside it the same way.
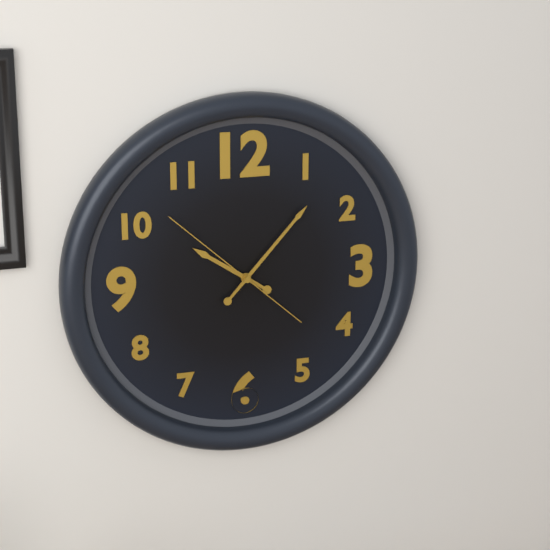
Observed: 10:07:52
